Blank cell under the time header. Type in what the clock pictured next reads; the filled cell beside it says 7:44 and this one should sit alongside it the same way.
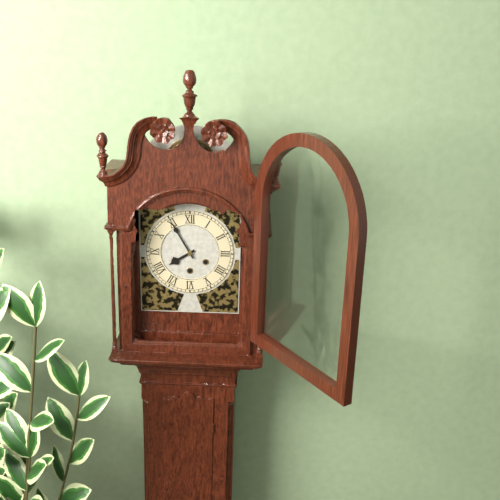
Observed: 7:55
